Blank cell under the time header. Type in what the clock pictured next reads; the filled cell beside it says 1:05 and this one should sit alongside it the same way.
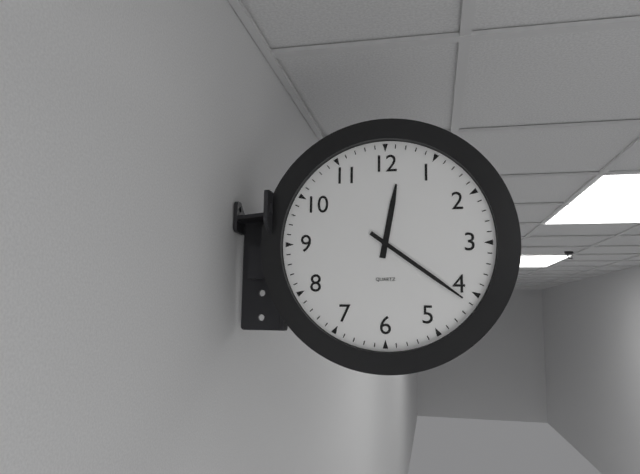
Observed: 12:21
